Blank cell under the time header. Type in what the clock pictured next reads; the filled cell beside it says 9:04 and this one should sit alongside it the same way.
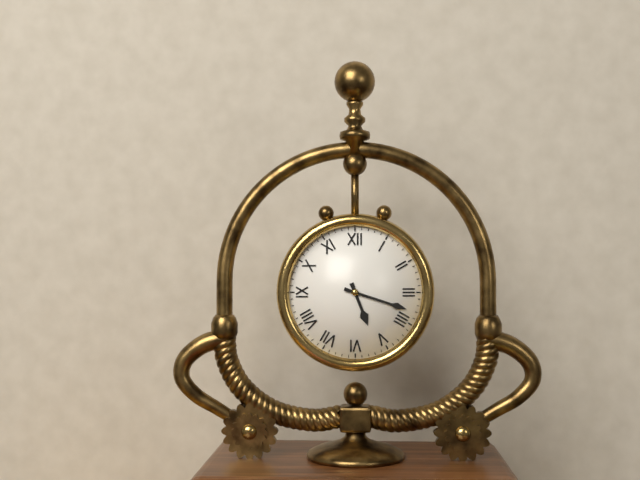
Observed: 5:18
